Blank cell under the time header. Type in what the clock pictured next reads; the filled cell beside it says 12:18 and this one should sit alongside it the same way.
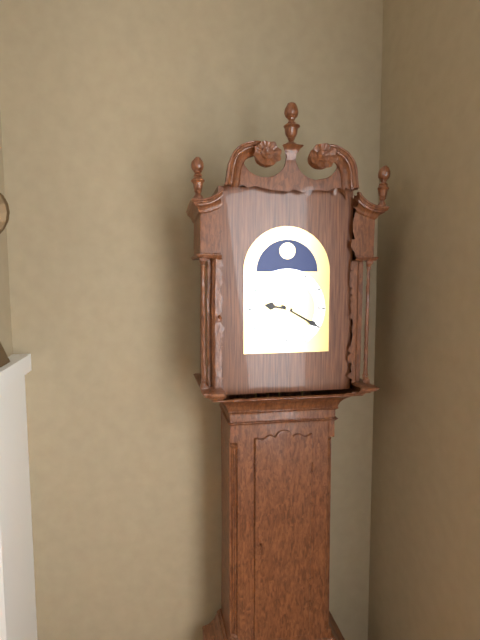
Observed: 9:20
